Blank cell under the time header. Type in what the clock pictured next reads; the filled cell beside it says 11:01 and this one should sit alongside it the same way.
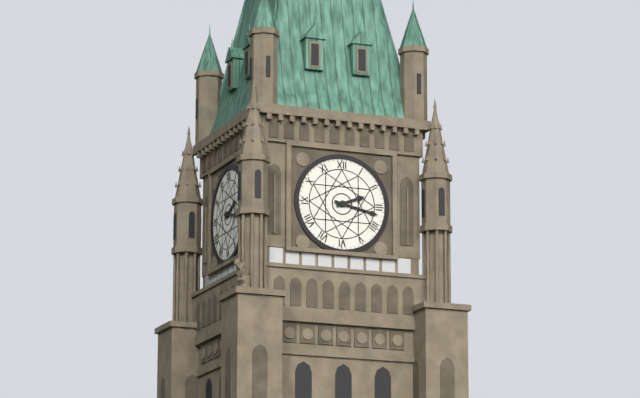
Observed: 2:17
